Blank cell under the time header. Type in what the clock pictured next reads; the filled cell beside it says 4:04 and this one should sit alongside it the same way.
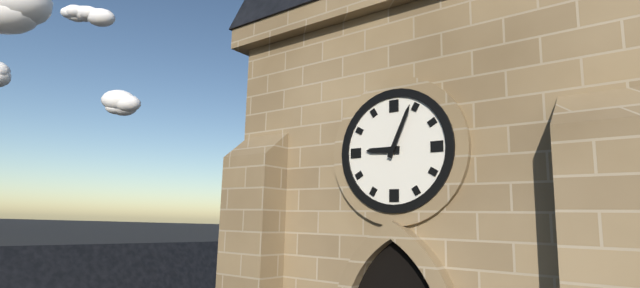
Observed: 9:04
